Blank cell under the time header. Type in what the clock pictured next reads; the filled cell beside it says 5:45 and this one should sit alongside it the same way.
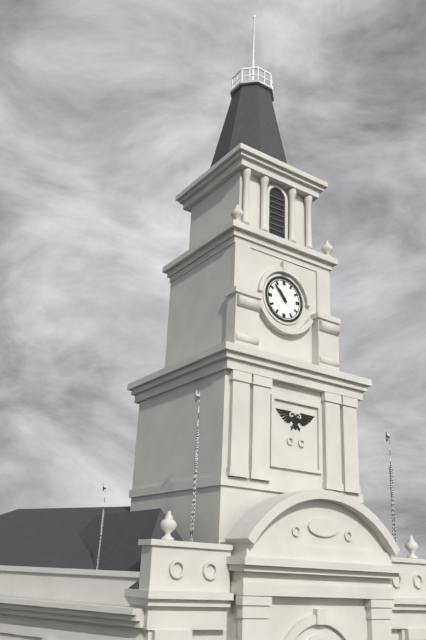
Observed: 10:53
